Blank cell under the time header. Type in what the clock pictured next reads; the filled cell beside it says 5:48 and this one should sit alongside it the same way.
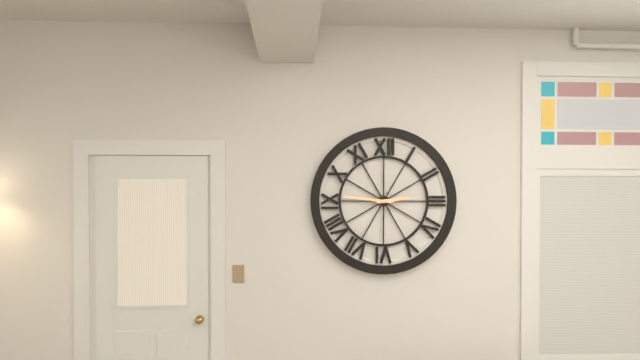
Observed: 2:46
